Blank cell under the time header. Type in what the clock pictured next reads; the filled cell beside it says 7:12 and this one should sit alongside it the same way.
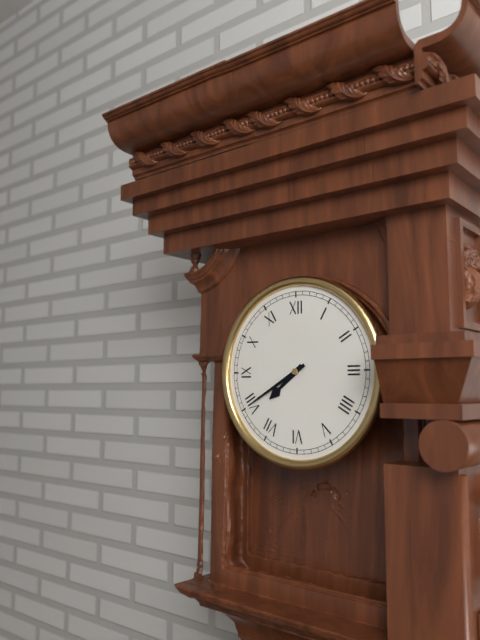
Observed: 7:40
